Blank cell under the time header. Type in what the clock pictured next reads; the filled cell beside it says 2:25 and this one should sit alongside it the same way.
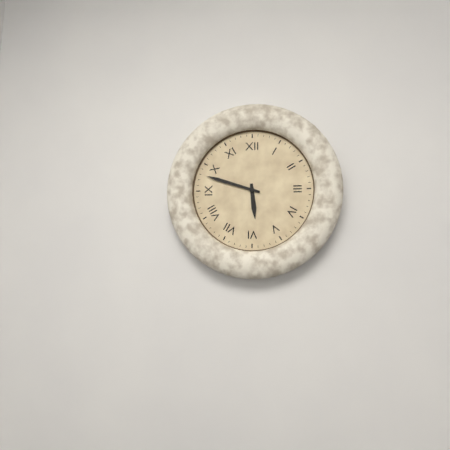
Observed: 5:48
